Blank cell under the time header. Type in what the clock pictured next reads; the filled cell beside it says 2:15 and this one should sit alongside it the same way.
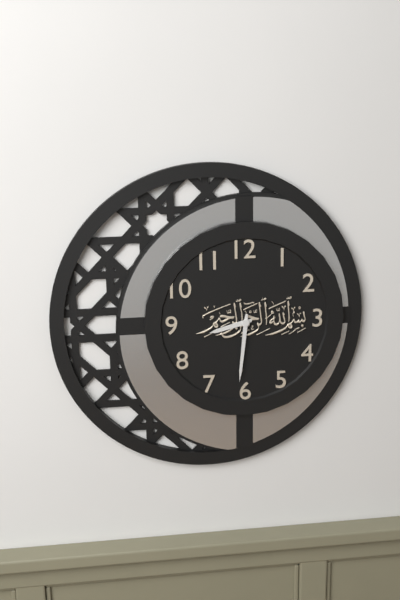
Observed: 8:31
